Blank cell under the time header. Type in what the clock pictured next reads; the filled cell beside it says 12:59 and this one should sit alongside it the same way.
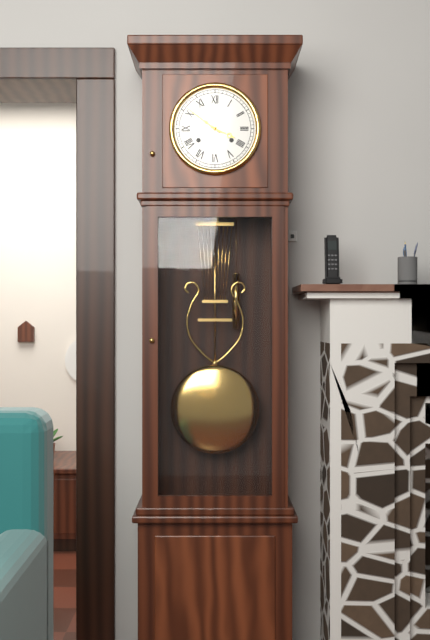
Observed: 3:51
